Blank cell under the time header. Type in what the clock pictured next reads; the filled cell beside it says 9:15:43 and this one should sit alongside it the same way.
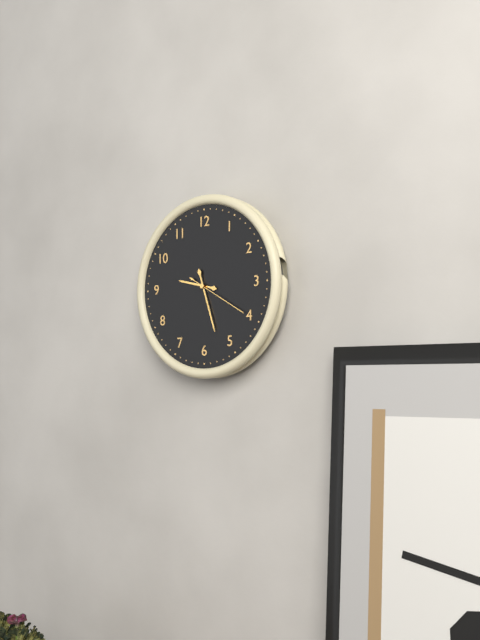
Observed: 9:27:20
